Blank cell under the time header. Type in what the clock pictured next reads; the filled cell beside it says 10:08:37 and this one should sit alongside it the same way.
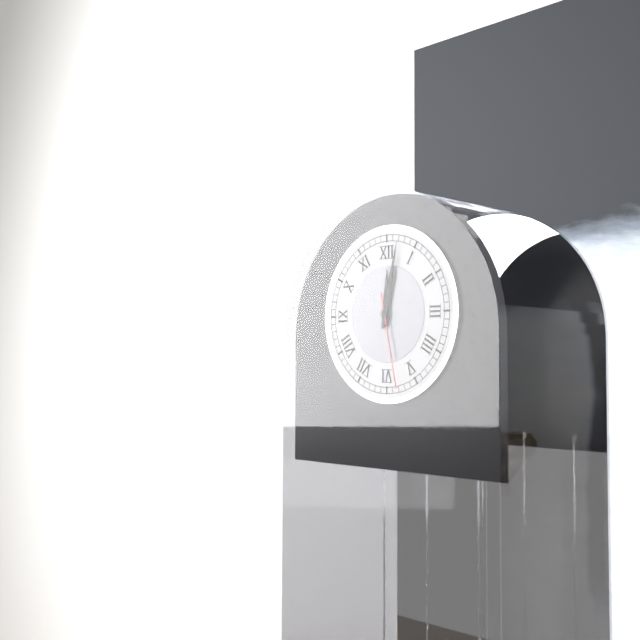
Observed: 12:02:28
